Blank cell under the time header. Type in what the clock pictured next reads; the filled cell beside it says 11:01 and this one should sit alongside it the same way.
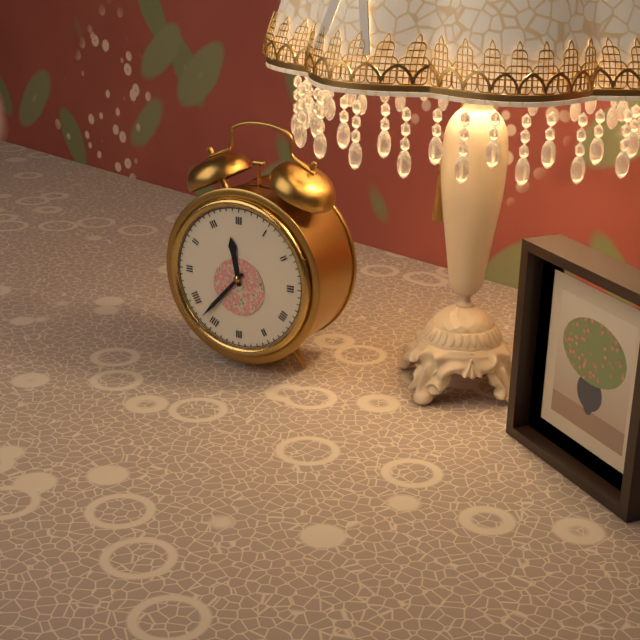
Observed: 11:37
